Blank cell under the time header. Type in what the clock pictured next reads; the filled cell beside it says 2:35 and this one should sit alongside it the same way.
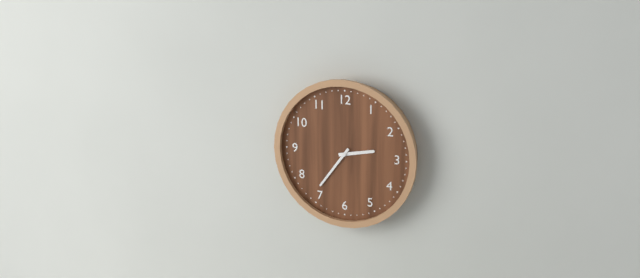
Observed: 2:36
